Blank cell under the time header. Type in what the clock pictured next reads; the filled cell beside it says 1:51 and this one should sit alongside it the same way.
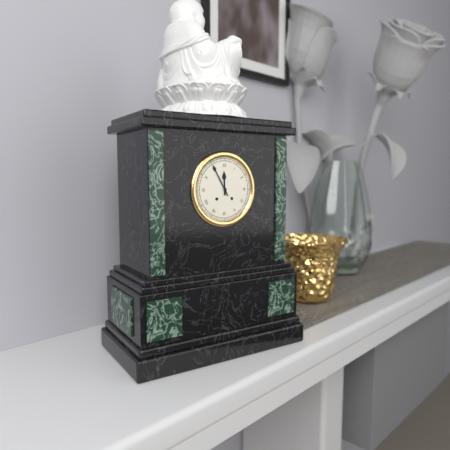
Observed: 11:55
